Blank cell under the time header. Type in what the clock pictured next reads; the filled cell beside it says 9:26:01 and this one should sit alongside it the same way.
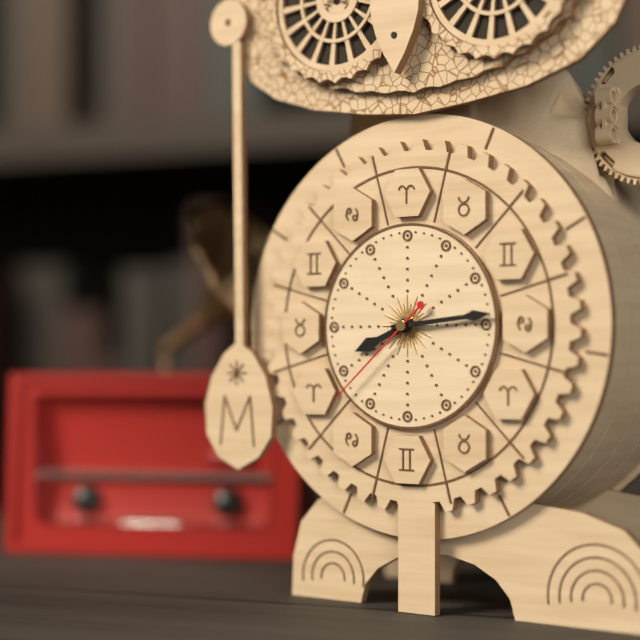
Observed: 8:14:38
